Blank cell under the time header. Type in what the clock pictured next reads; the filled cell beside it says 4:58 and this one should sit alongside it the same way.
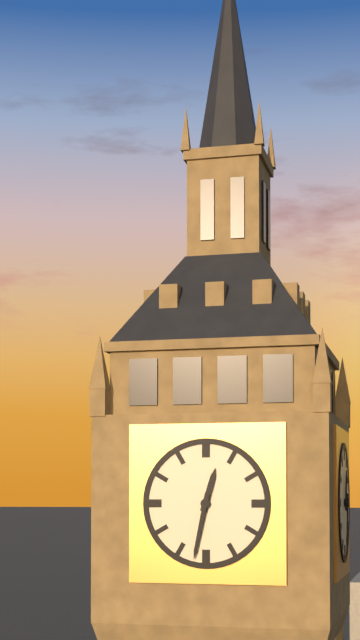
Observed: 12:32
